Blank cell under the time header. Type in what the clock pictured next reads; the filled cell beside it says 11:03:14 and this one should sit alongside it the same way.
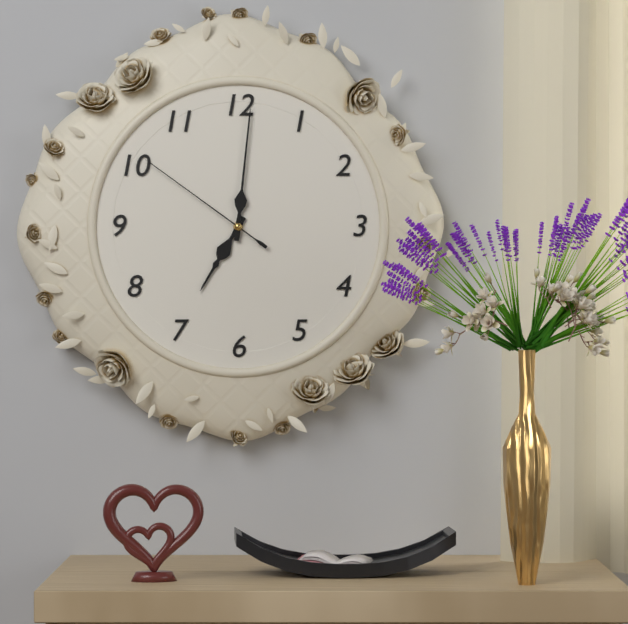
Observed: 7:01:51
